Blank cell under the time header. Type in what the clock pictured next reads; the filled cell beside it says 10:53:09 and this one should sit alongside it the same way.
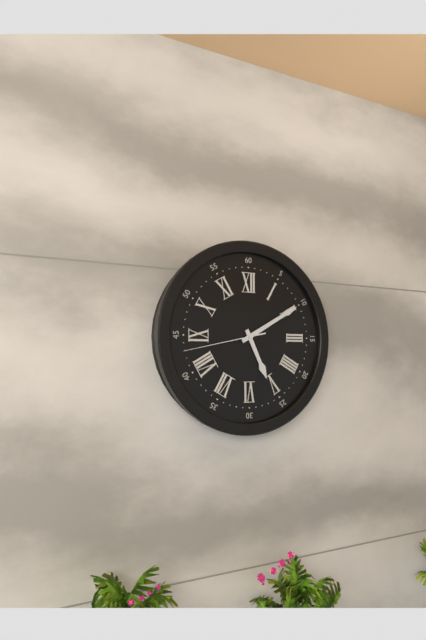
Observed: 5:10:43
